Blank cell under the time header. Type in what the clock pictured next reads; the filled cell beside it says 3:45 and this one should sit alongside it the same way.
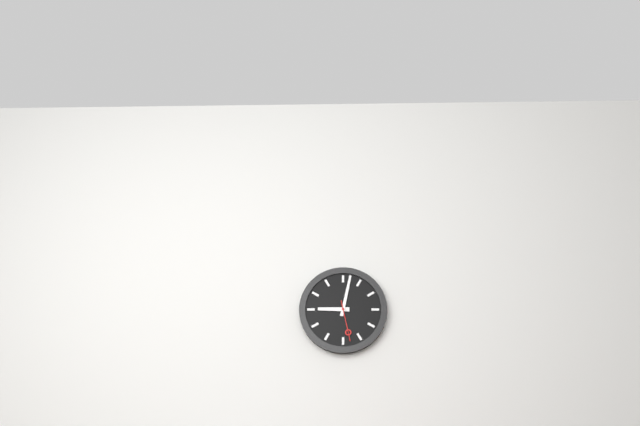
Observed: 9:02
